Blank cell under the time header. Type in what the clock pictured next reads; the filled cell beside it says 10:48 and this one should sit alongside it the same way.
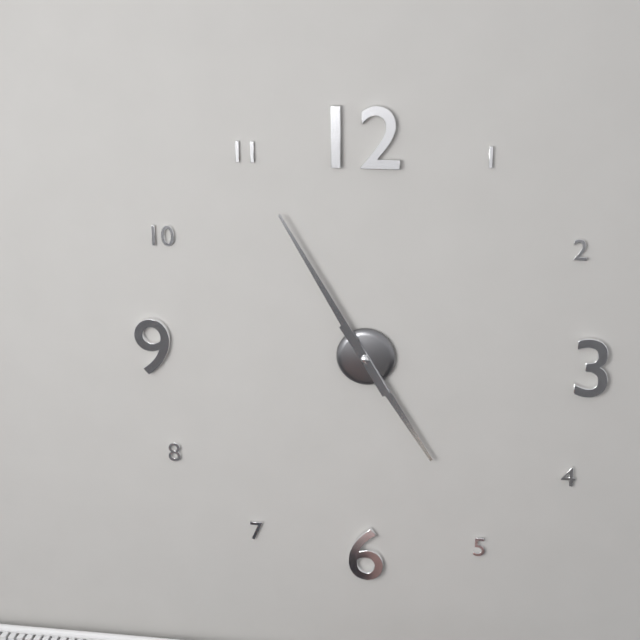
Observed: 4:55
